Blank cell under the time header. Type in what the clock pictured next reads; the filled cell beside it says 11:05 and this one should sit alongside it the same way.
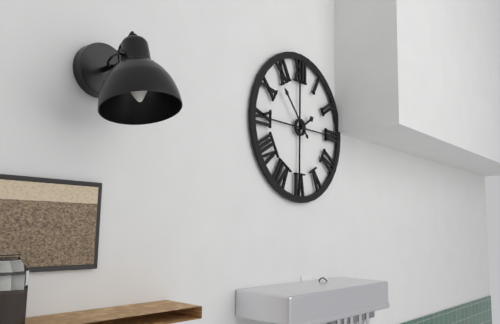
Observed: 1:53
